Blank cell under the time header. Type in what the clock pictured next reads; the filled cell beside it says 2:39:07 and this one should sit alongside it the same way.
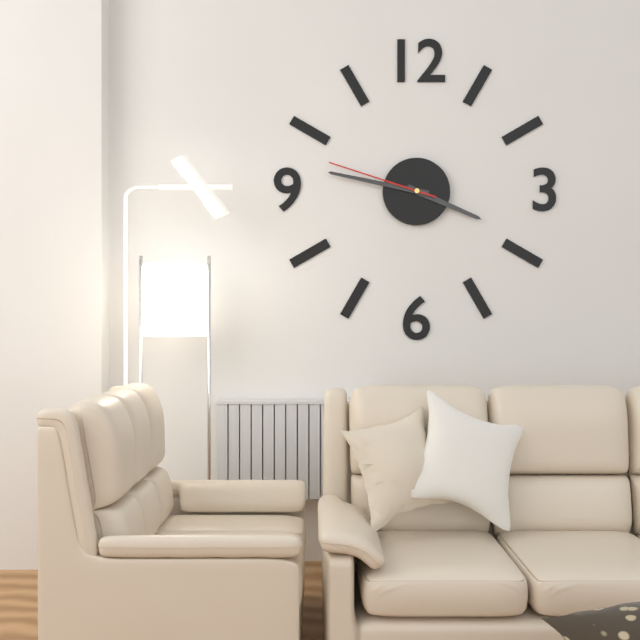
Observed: 3:47:48
